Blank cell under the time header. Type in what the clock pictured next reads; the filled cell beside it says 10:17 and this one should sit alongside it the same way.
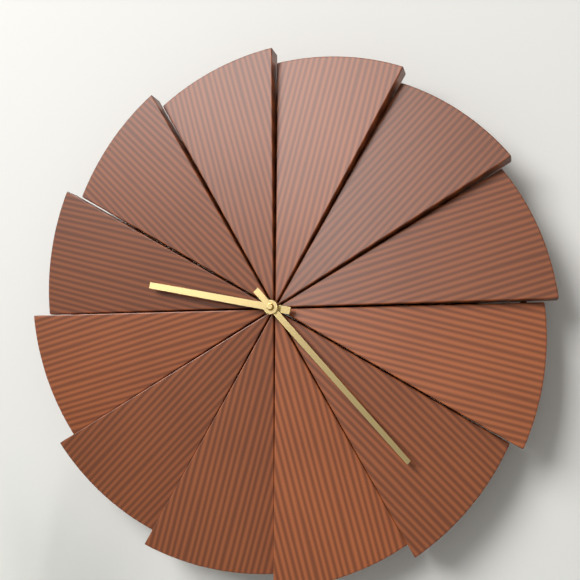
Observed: 9:23
